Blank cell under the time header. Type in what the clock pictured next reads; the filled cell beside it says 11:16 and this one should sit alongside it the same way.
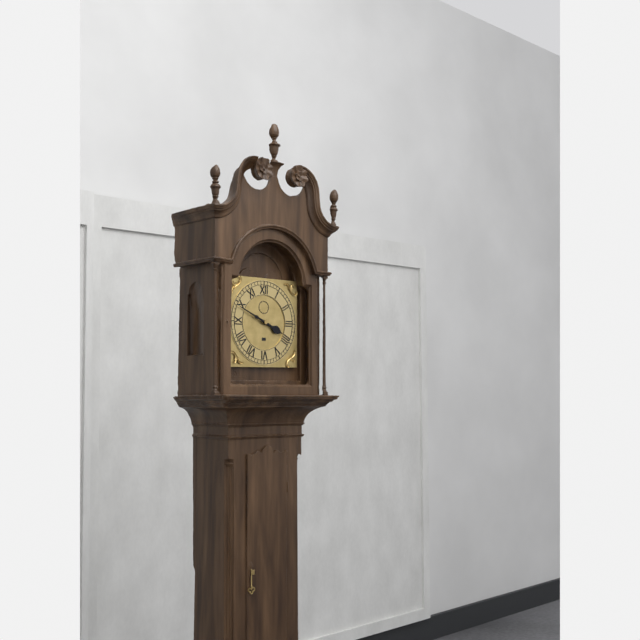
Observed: 3:49
